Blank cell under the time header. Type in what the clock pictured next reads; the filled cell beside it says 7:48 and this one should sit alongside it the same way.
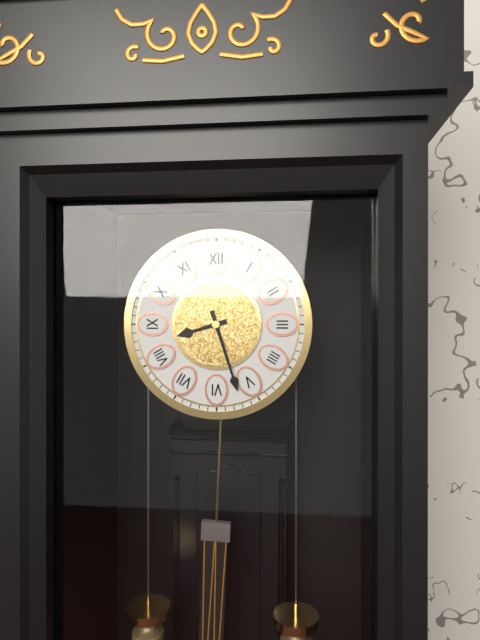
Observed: 8:27
